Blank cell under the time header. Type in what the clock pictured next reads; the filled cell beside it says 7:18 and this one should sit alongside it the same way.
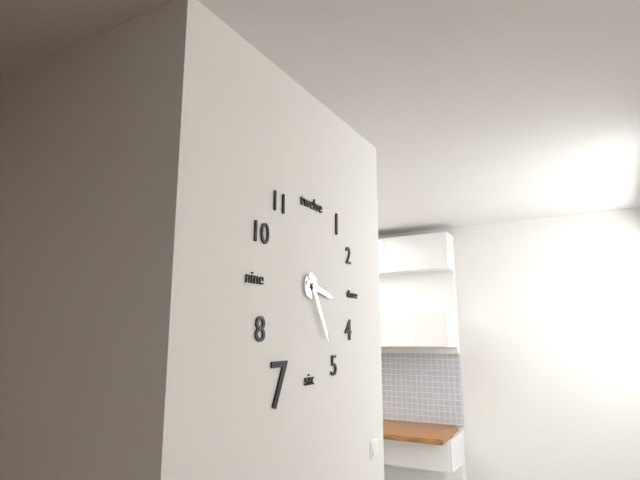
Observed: 3:25
